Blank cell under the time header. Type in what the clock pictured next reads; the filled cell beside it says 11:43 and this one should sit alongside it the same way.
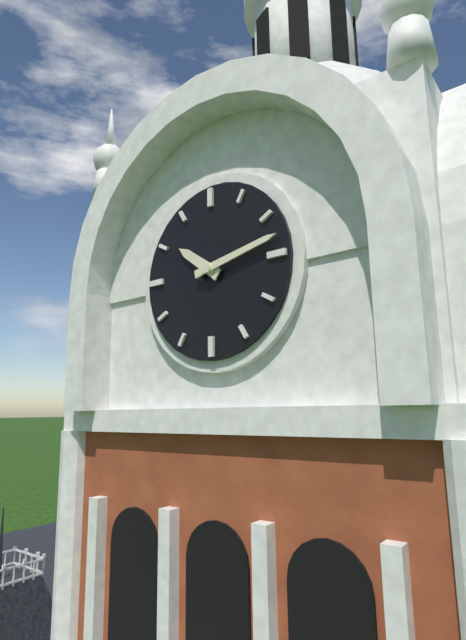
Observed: 10:13
